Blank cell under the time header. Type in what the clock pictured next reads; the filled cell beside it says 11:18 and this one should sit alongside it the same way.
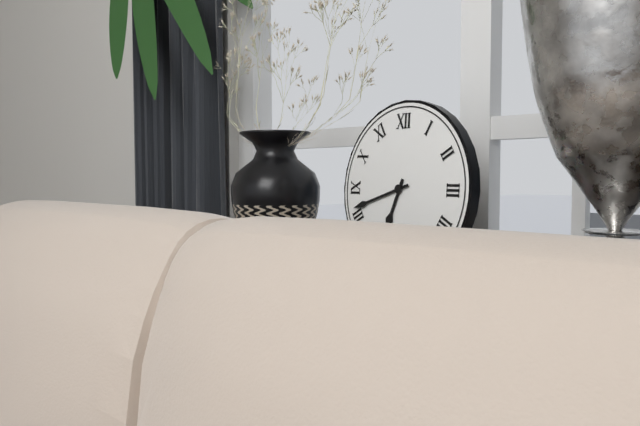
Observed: 6:42
